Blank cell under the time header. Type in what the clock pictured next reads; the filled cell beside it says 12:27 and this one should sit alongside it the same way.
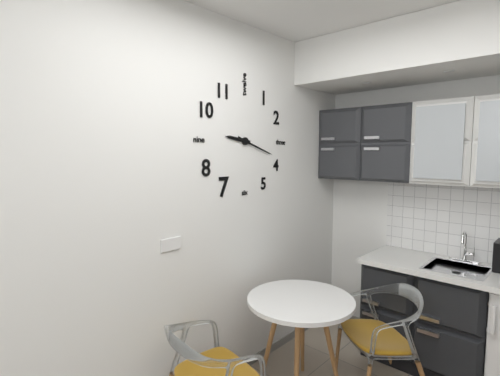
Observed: 9:18
